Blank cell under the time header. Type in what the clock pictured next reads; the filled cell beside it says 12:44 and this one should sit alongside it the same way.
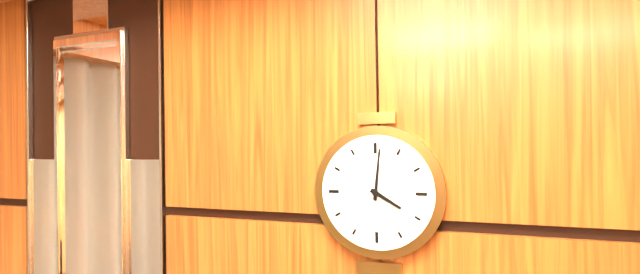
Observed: 4:01
